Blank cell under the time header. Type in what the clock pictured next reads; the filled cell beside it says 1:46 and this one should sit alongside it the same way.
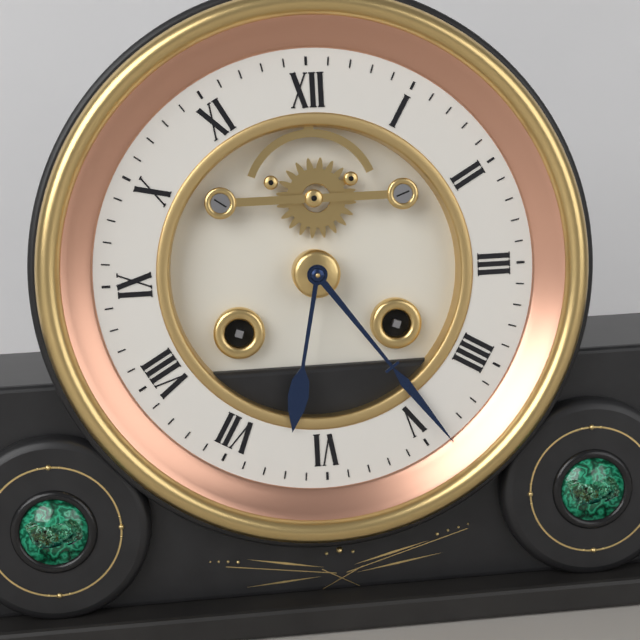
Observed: 6:24
